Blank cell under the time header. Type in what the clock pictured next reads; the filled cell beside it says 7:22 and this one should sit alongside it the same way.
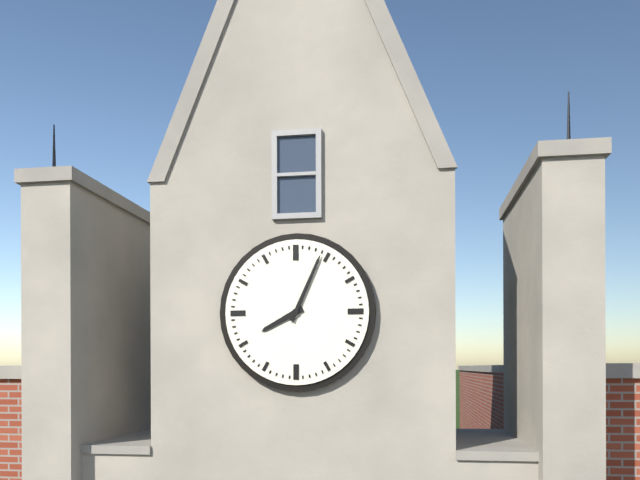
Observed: 8:04
